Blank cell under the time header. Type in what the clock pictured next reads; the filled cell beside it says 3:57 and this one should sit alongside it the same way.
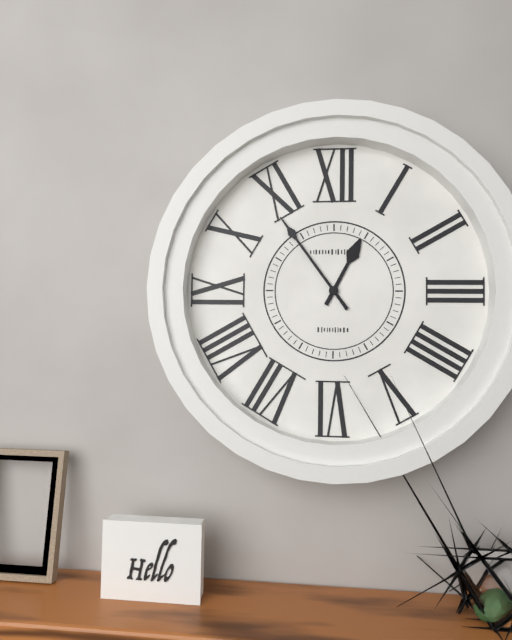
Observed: 12:54
